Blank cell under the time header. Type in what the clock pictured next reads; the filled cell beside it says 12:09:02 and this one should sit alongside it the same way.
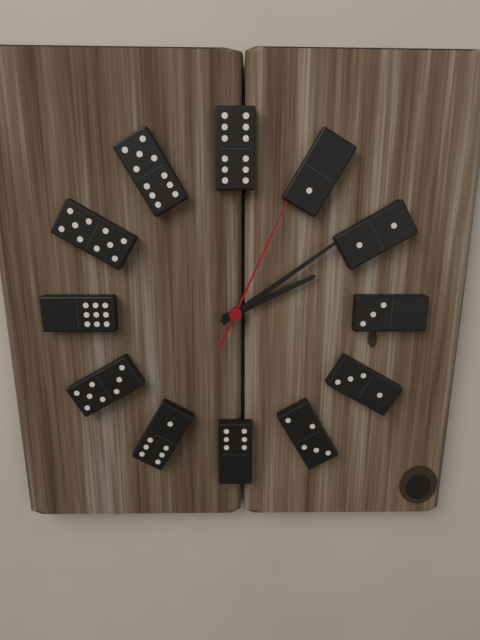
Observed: 2:09:04
